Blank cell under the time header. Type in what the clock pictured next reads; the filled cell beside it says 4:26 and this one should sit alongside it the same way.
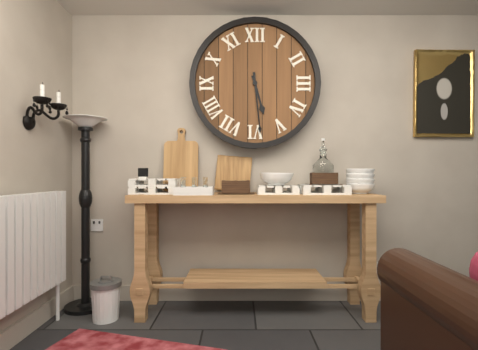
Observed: 5:29
